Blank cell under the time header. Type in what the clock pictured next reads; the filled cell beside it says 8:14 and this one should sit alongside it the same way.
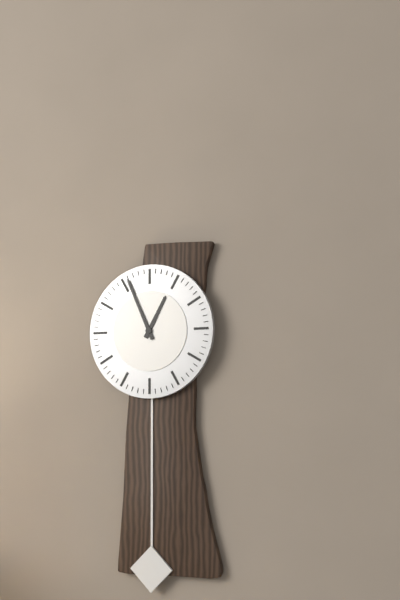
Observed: 12:56
